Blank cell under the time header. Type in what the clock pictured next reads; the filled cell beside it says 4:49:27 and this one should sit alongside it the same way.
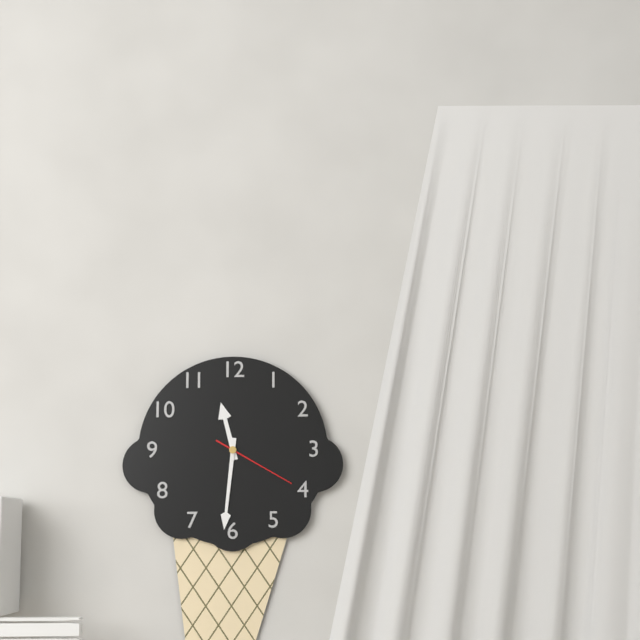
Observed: 11:31:20
